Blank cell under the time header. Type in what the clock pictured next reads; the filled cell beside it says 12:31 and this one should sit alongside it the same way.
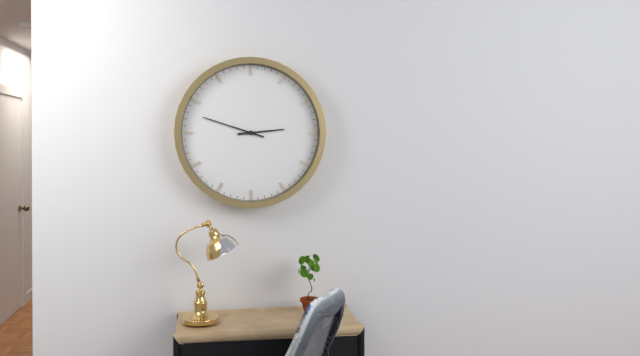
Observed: 2:48
